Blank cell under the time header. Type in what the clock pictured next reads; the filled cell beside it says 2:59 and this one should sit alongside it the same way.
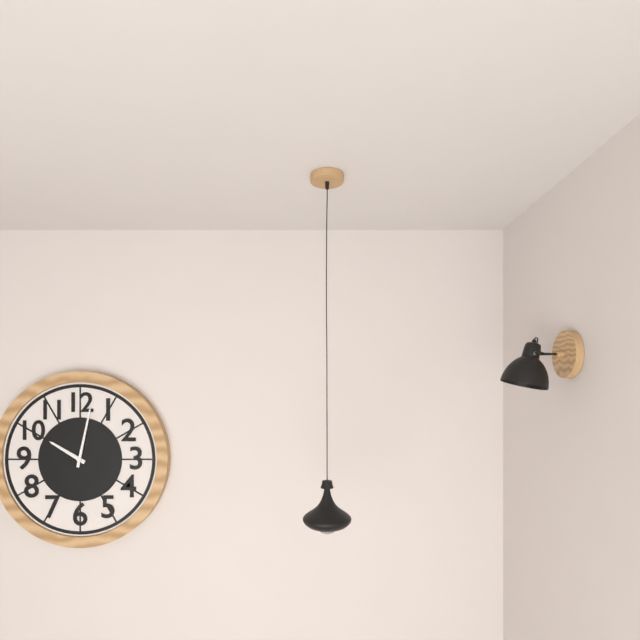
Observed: 10:02
